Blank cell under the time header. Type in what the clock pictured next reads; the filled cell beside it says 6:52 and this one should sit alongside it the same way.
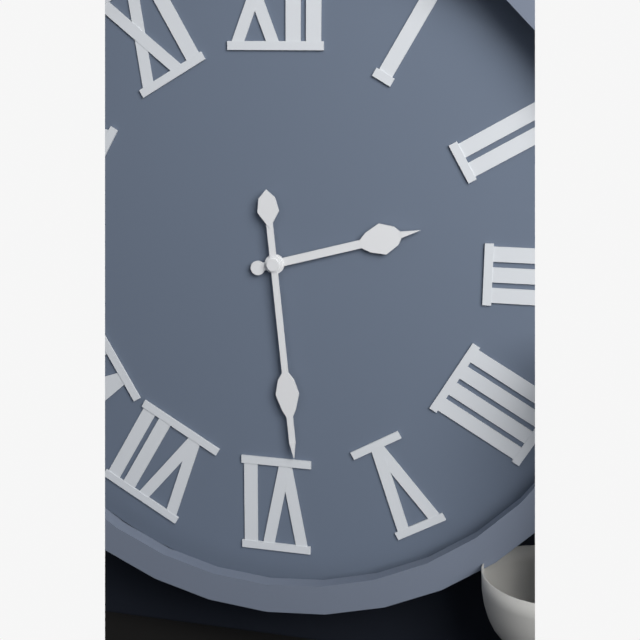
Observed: 2:29
